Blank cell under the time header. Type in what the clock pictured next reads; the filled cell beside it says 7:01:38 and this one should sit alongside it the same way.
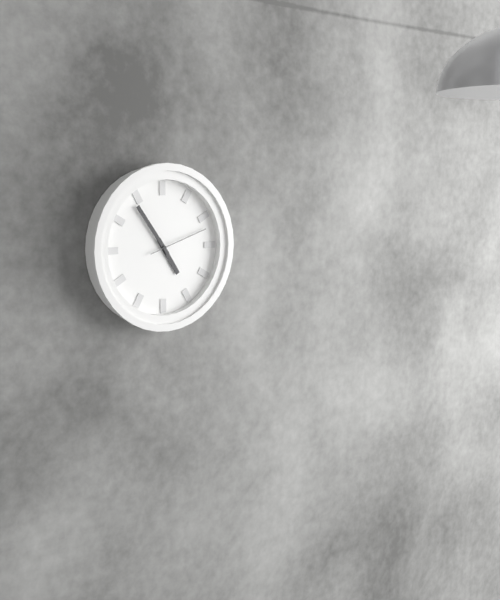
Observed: 4:54:12
